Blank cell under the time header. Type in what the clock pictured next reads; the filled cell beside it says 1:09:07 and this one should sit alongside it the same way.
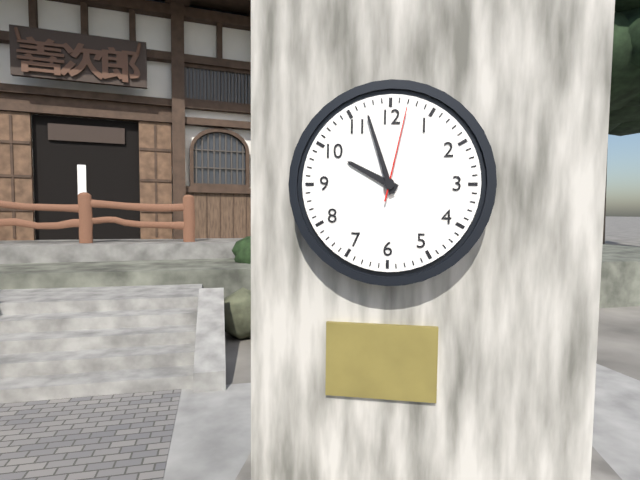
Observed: 9:57:02
